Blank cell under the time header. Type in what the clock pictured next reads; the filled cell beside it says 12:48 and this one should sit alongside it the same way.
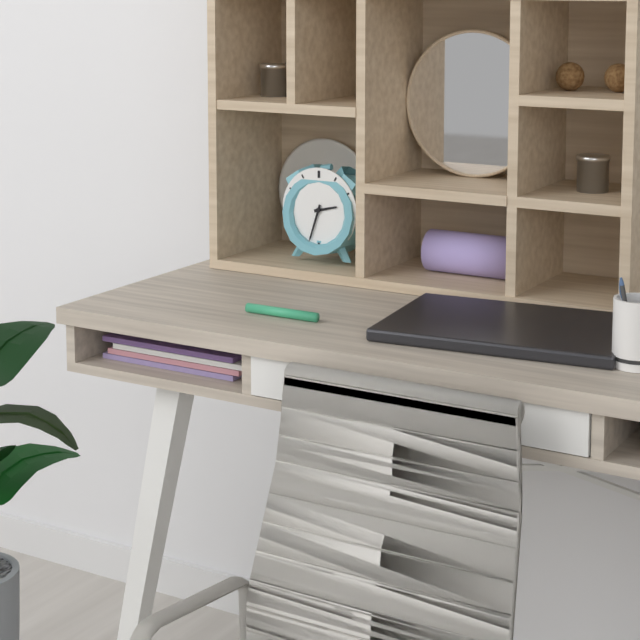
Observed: 2:33
